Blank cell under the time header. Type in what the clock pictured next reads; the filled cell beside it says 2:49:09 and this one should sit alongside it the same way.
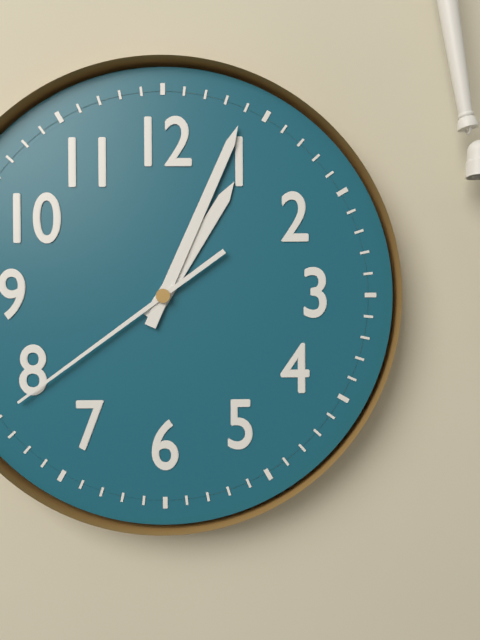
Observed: 1:04:39
